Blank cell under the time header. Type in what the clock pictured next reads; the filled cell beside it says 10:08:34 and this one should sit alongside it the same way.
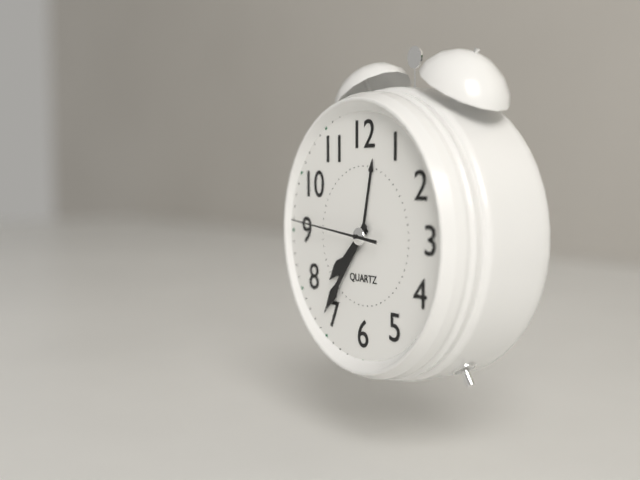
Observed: 7:36:46
